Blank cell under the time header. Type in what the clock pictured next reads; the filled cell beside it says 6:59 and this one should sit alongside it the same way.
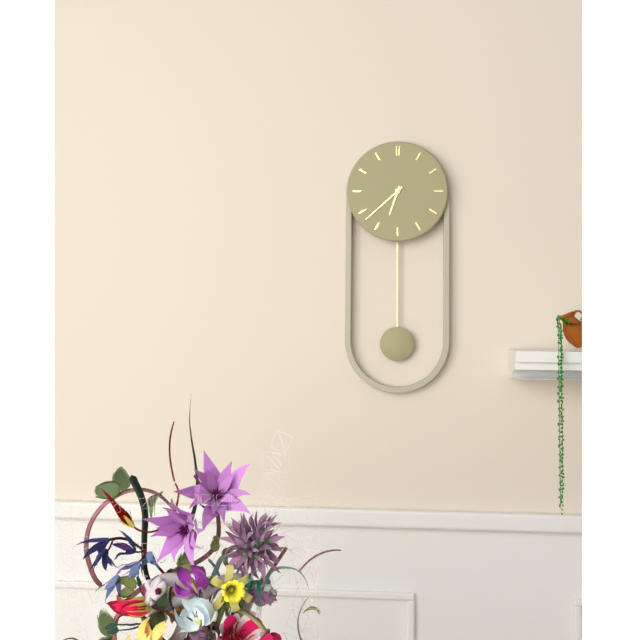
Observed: 6:38
